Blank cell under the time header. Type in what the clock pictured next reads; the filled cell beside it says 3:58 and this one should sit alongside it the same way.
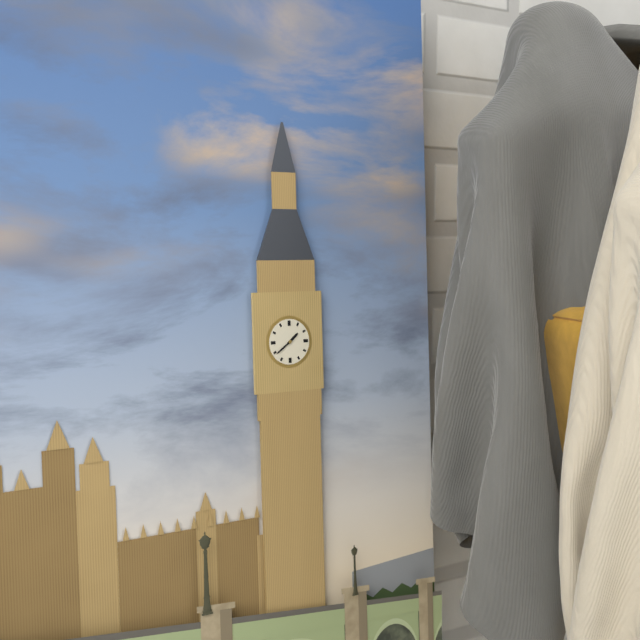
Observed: 1:39
